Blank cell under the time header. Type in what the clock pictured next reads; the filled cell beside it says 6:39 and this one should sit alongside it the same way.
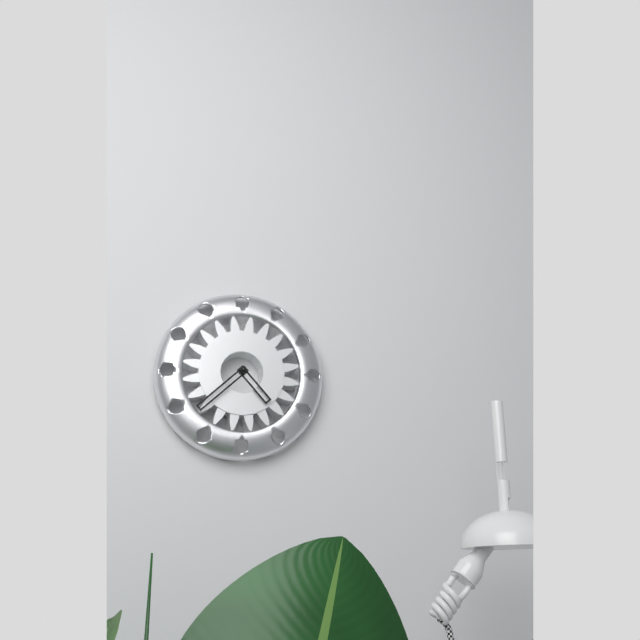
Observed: 4:38
